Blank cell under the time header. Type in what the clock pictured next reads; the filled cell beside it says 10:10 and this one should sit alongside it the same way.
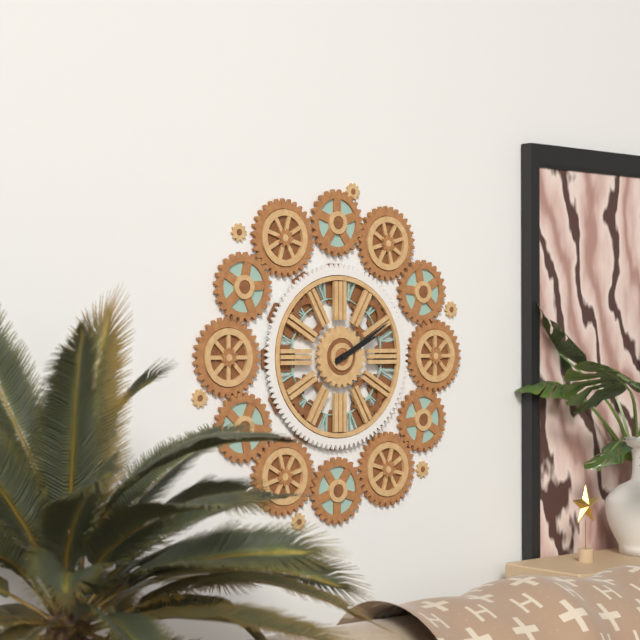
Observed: 2:10
